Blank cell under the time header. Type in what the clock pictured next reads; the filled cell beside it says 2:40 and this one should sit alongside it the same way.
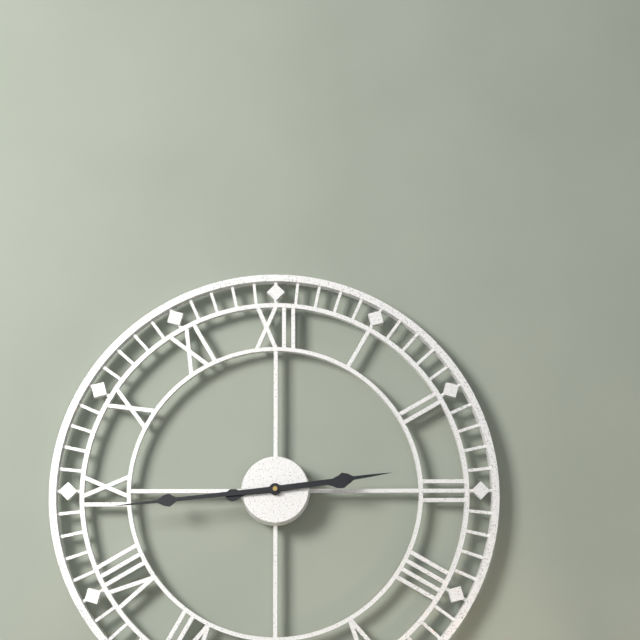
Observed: 2:44
